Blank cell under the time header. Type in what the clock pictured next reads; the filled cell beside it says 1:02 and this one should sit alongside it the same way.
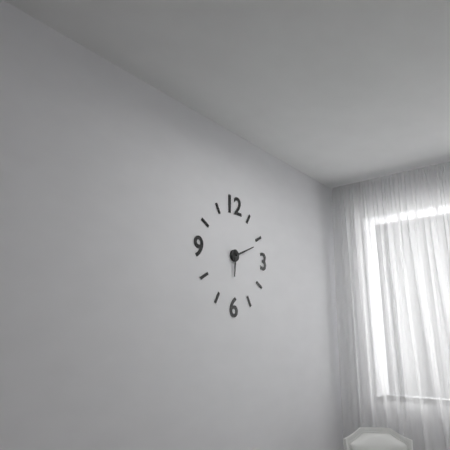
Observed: 6:11
